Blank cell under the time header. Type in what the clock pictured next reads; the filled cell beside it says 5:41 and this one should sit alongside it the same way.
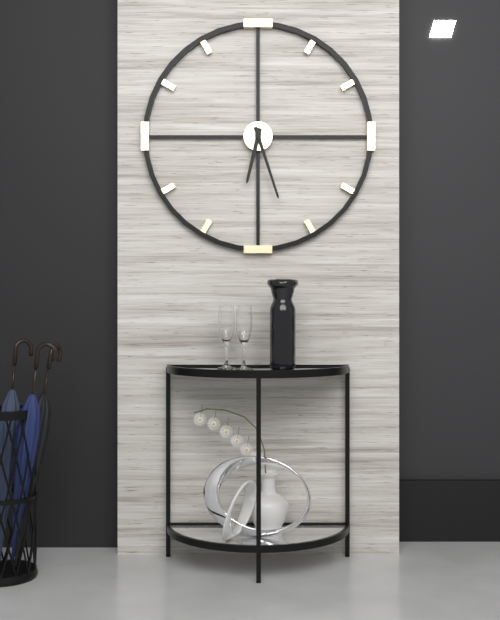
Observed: 6:27
